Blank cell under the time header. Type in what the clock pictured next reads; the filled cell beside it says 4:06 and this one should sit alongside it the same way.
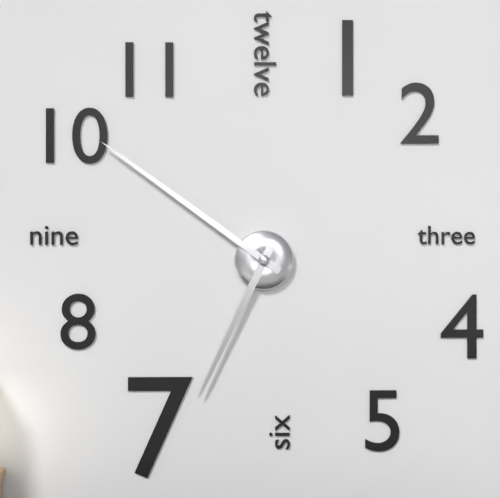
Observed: 6:51
